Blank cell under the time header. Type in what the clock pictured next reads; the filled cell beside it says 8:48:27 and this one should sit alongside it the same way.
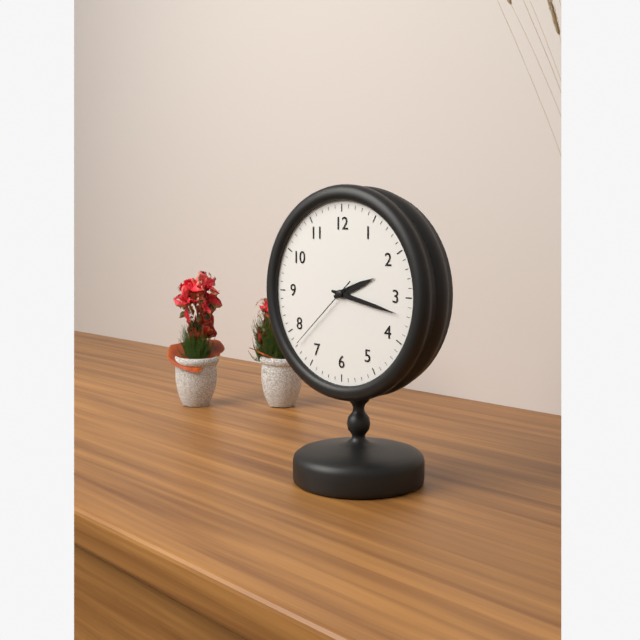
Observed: 2:17:38
